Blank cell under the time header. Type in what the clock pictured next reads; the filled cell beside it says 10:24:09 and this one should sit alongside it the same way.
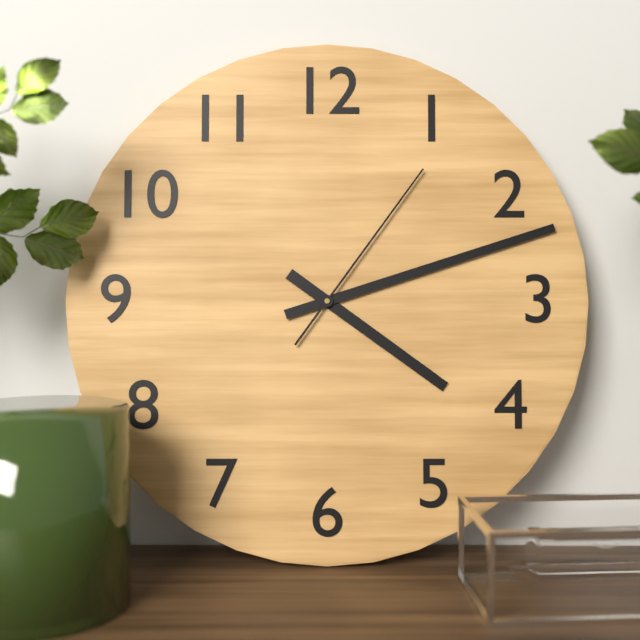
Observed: 4:12:06
